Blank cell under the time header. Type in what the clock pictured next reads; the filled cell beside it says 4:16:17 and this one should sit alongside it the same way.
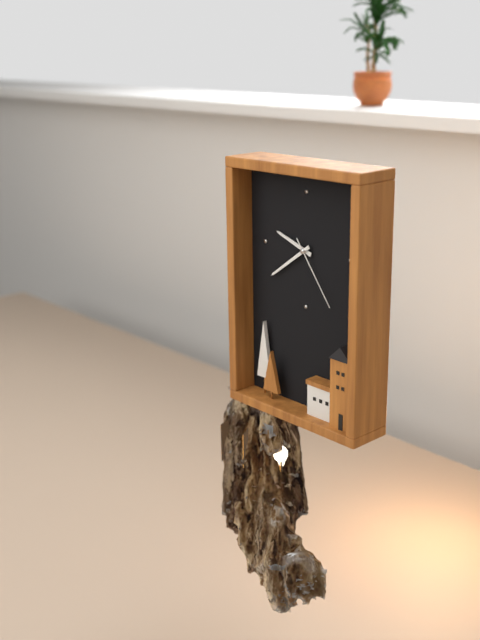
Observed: 9:39:24
